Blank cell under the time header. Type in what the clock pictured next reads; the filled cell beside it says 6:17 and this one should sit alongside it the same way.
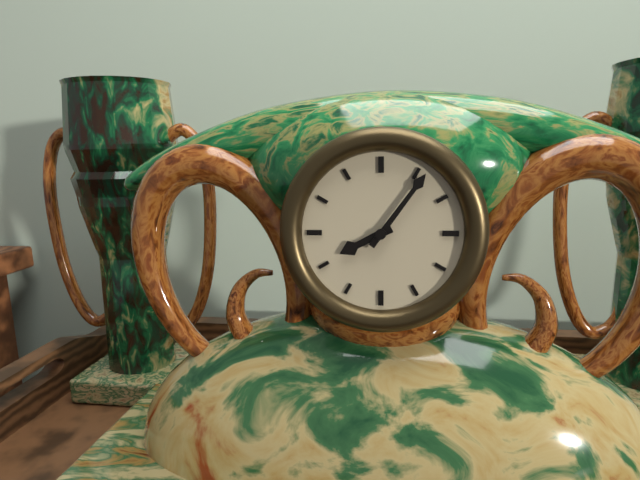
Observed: 8:06
